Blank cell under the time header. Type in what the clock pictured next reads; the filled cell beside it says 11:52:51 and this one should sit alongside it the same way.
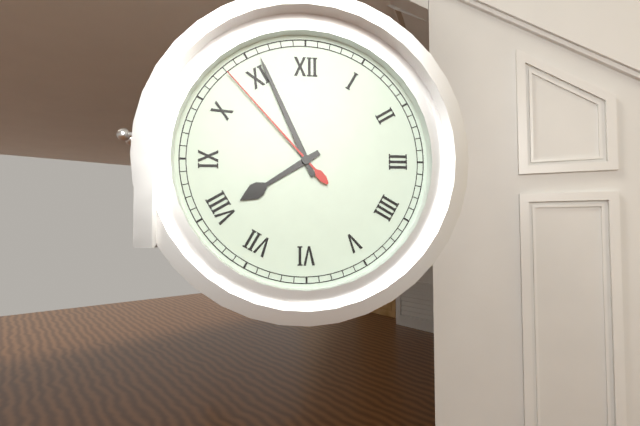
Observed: 7:56:53
